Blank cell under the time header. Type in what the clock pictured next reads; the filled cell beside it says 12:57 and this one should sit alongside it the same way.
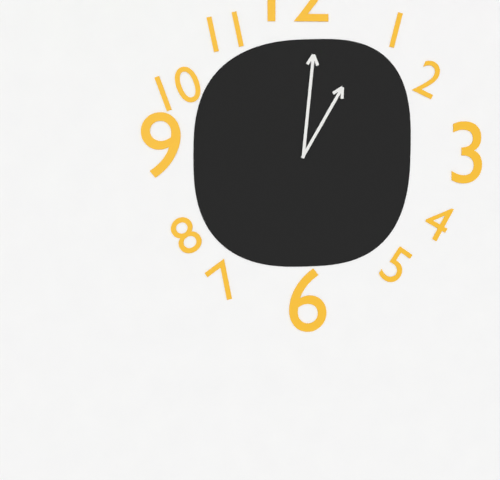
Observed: 1:01
